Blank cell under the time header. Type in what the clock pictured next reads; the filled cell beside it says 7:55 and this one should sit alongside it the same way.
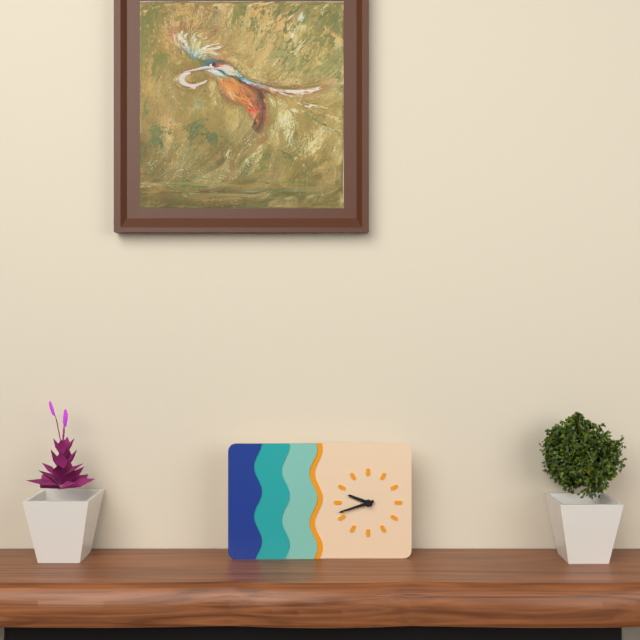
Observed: 9:42
